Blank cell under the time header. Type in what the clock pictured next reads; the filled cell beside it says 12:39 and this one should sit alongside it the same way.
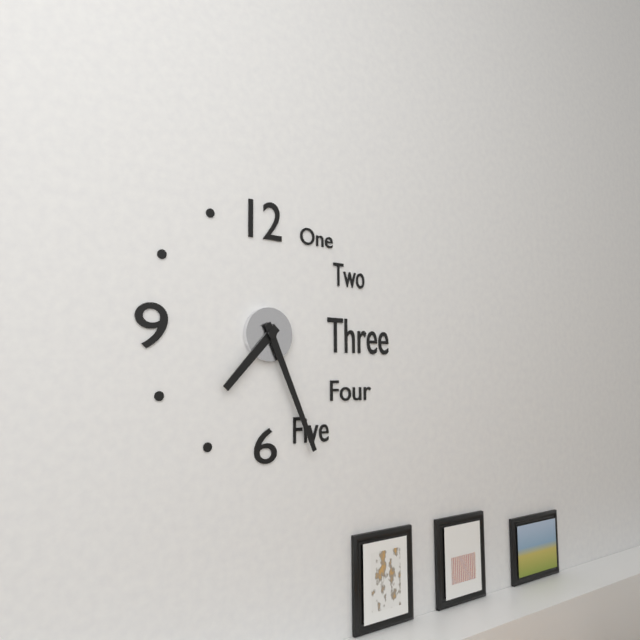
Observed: 7:26
